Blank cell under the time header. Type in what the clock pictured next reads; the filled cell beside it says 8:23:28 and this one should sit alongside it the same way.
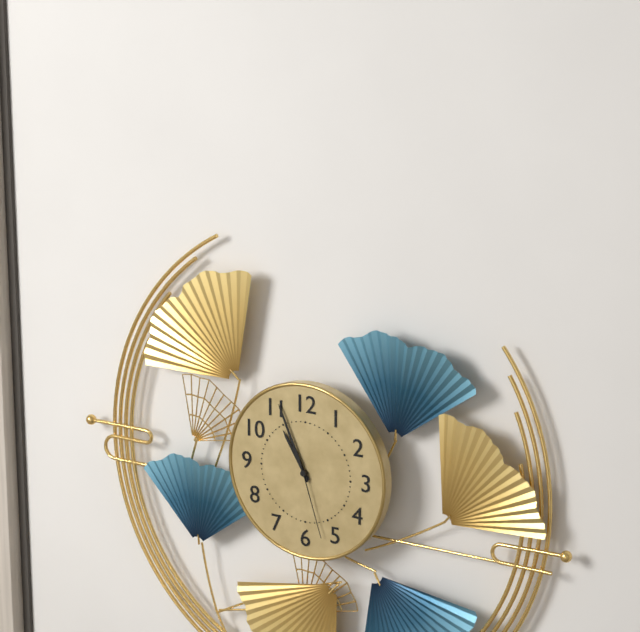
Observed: 10:56:27
